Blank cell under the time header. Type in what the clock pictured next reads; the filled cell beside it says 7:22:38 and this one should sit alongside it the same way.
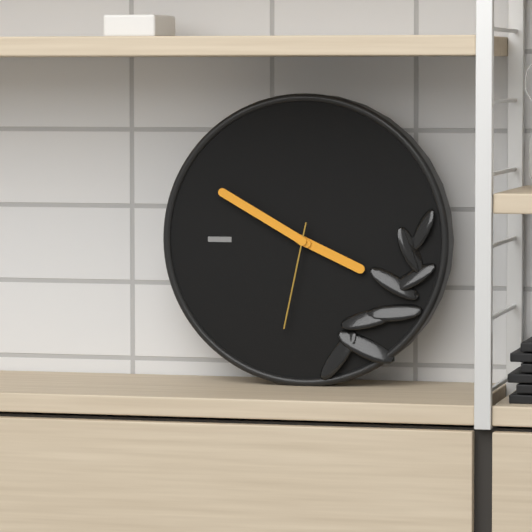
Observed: 3:50:32
